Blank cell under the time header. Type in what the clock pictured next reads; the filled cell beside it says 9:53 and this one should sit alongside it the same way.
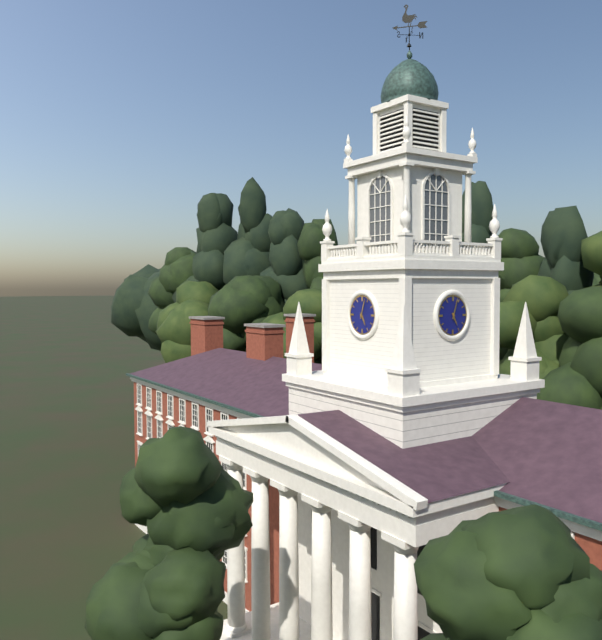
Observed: 5:03
